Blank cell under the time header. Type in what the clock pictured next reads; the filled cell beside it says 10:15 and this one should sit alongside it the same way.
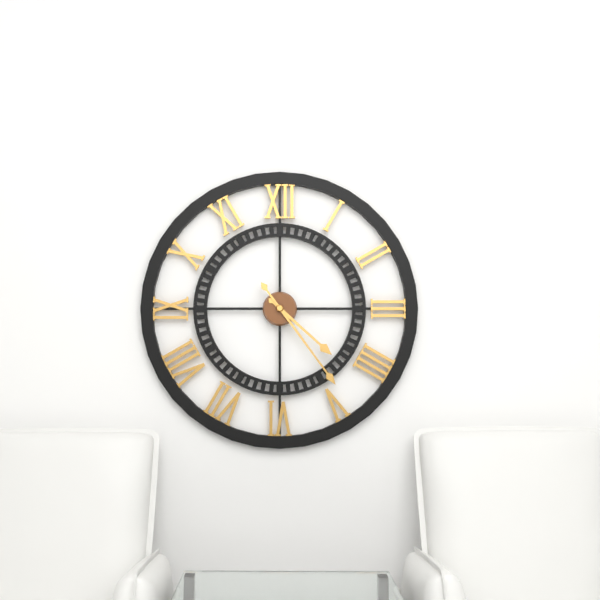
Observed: 4:24
